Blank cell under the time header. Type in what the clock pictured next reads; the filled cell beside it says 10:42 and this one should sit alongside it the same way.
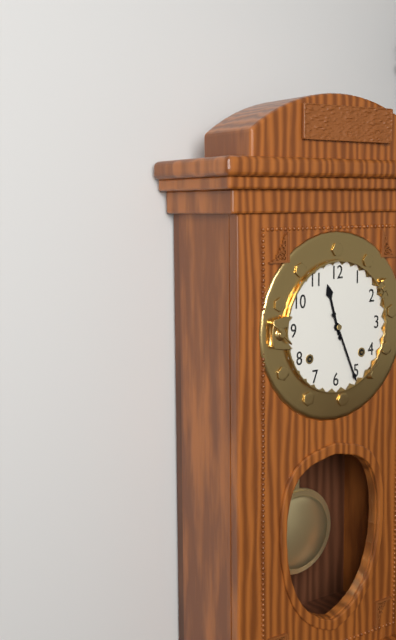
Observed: 11:26
